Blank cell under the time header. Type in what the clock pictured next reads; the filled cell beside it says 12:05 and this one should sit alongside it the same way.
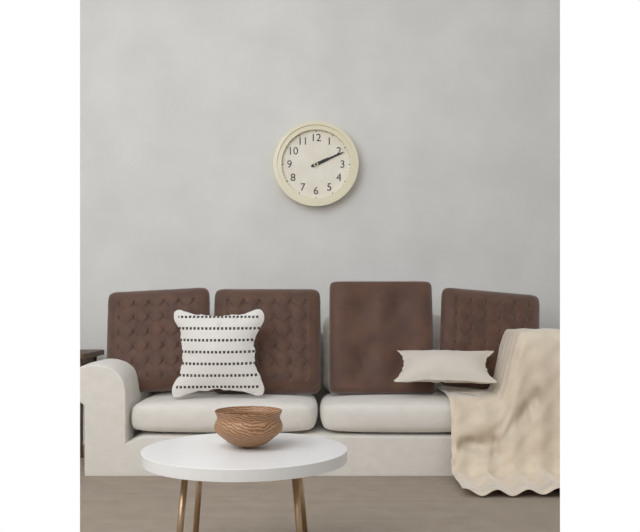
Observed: 2:11
